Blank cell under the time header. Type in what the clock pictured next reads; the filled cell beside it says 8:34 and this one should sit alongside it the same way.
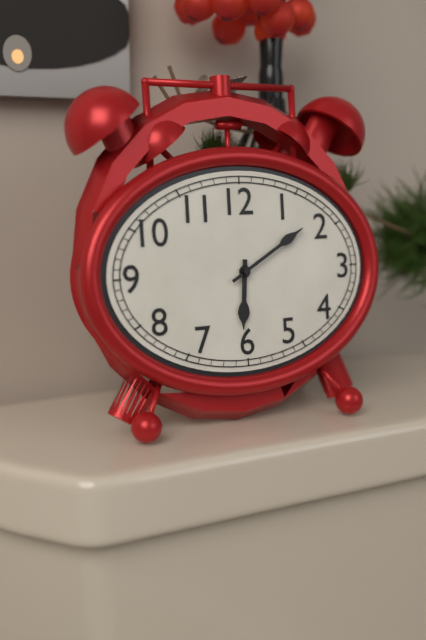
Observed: 6:10
